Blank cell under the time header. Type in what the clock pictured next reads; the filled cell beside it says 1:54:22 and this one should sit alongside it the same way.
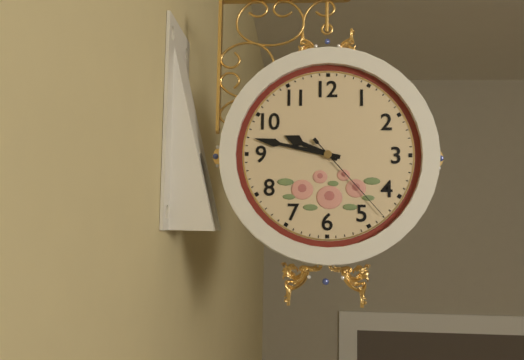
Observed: 9:47:23
